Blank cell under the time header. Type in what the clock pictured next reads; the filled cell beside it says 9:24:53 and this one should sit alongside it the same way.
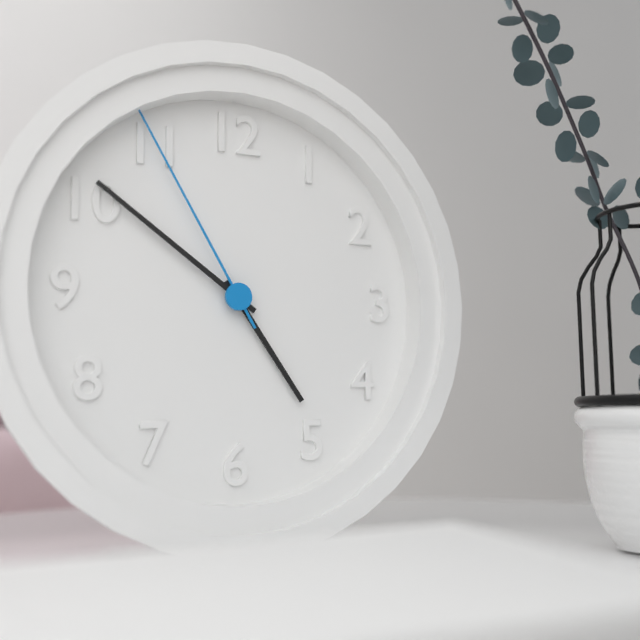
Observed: 4:51:55
